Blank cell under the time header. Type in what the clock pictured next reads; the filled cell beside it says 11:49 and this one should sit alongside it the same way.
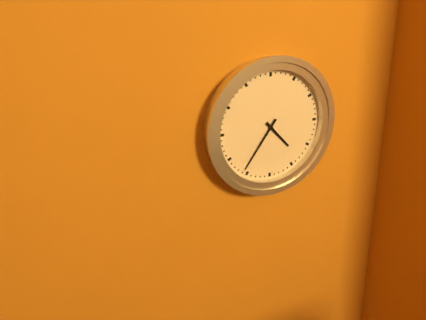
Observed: 4:36
